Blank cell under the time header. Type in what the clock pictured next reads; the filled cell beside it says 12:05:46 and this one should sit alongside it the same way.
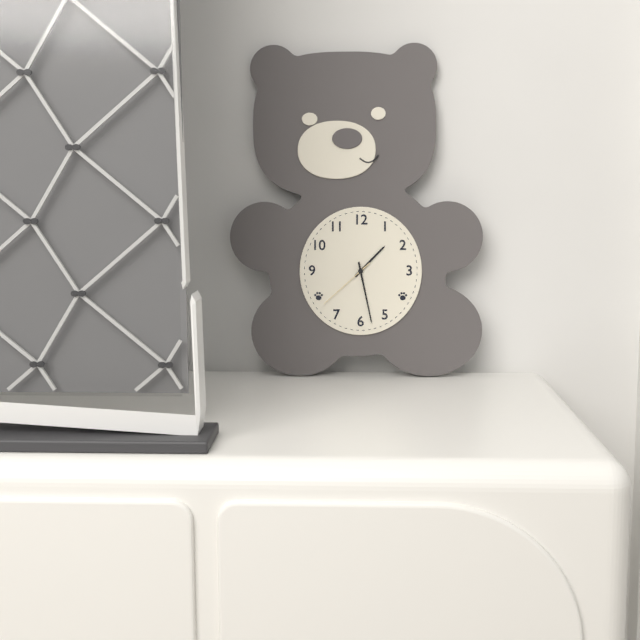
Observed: 1:28:38
